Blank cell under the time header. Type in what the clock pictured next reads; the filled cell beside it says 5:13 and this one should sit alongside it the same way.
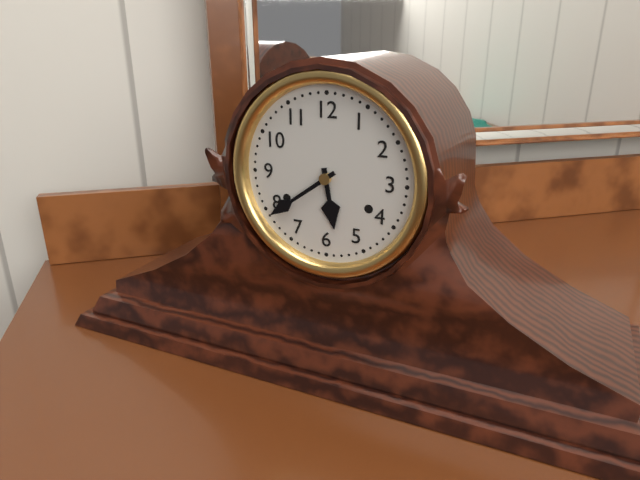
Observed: 5:39
